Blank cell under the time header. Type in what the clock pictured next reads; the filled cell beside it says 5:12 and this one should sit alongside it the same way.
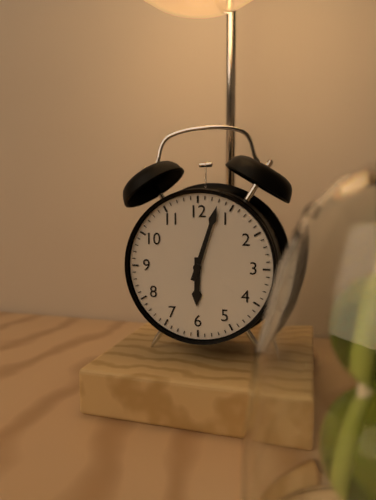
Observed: 6:03
